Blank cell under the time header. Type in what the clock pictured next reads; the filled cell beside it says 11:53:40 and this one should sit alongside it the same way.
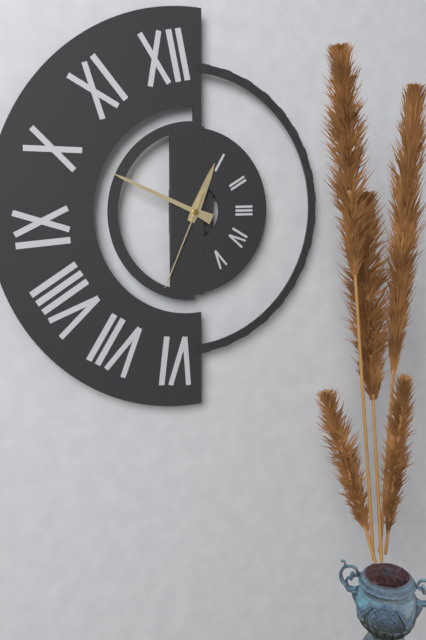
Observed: 12:49:34
